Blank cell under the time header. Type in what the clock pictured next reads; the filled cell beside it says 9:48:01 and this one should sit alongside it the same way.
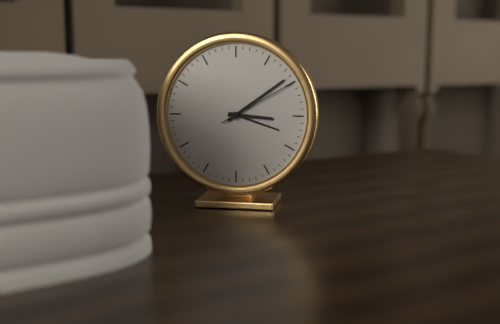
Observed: 3:09:10
